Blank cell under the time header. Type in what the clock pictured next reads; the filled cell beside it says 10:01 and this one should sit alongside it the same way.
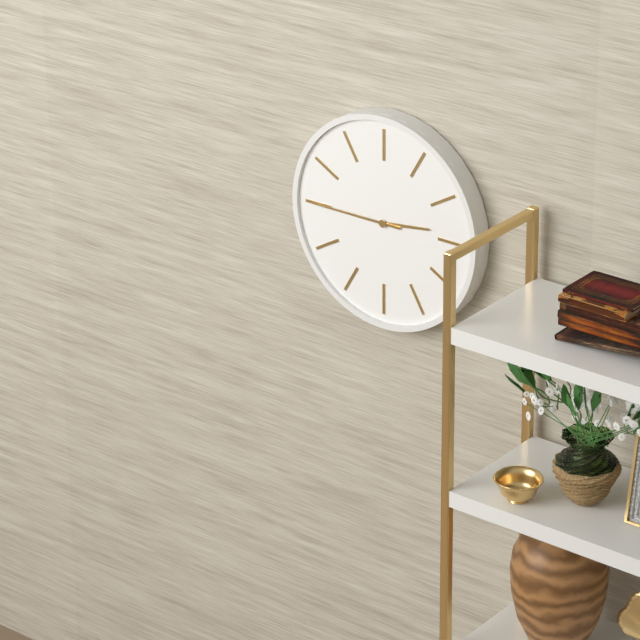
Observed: 2:45
